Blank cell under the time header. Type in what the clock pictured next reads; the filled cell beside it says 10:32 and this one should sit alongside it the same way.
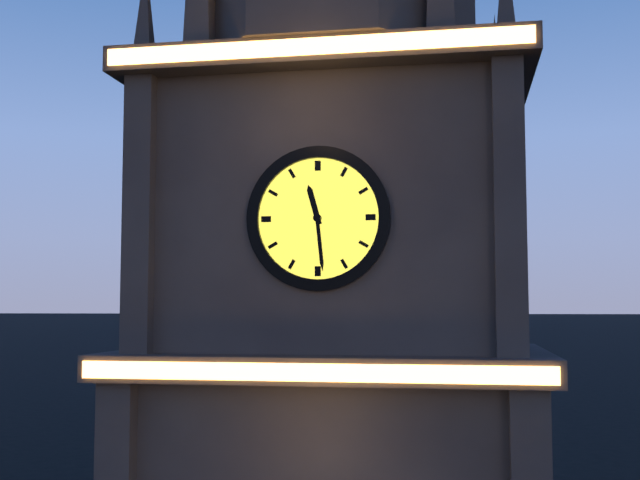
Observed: 11:29
